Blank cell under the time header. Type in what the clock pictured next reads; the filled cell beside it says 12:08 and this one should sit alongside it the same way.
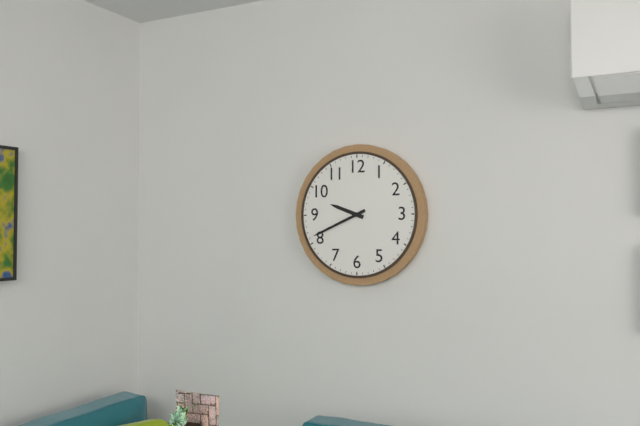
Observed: 9:41
